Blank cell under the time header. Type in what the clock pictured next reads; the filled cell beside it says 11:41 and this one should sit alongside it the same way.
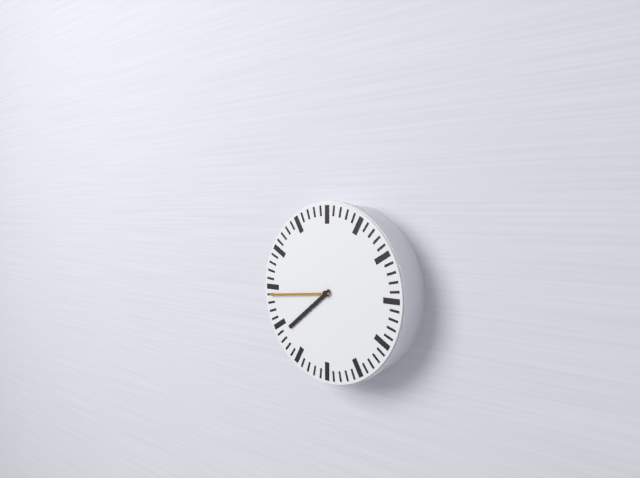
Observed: 7:44
